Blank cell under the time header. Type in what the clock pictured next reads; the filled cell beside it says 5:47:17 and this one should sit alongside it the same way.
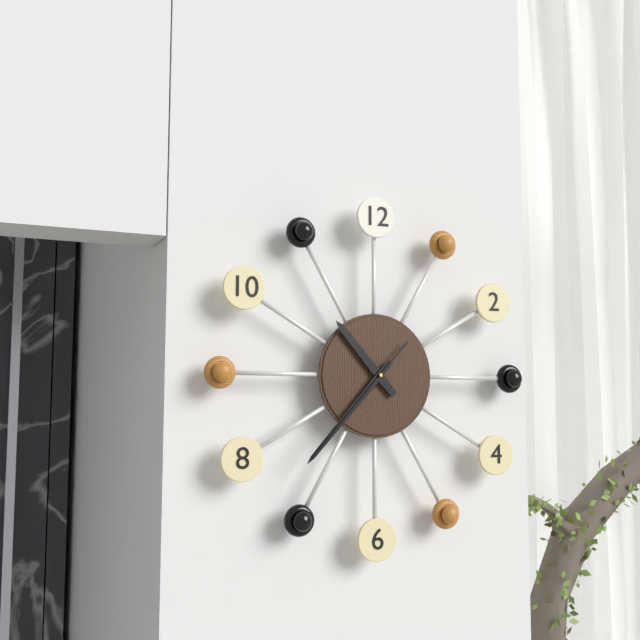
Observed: 10:37:37
